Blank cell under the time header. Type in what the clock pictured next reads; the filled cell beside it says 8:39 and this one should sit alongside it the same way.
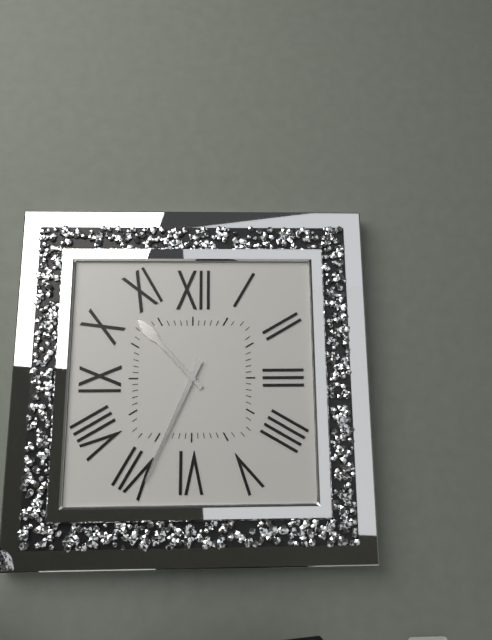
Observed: 10:34
